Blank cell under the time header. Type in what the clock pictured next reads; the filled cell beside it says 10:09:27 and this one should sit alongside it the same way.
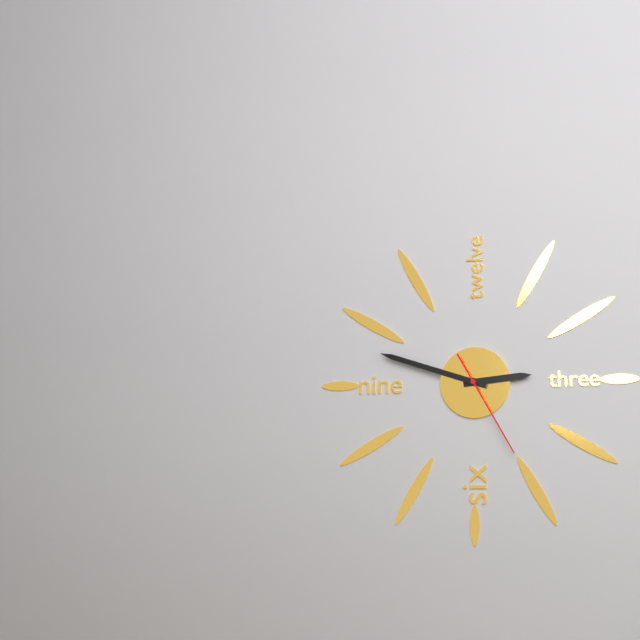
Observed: 2:48:25
